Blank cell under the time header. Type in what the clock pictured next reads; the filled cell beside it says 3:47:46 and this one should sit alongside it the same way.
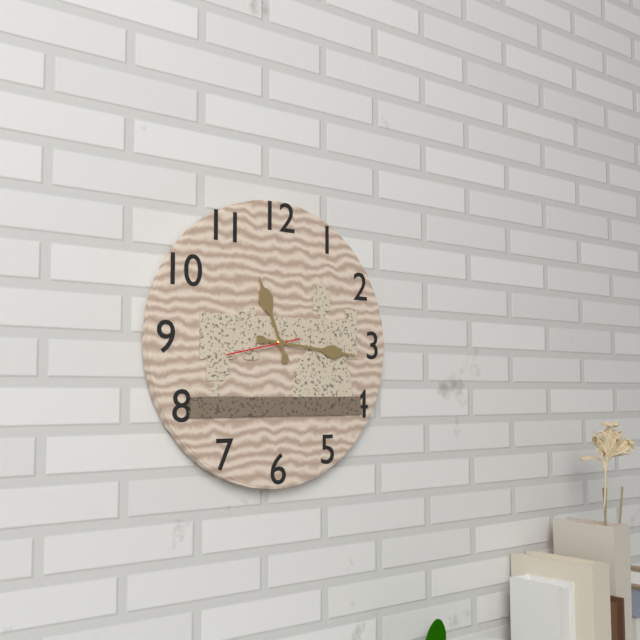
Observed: 11:16:43
